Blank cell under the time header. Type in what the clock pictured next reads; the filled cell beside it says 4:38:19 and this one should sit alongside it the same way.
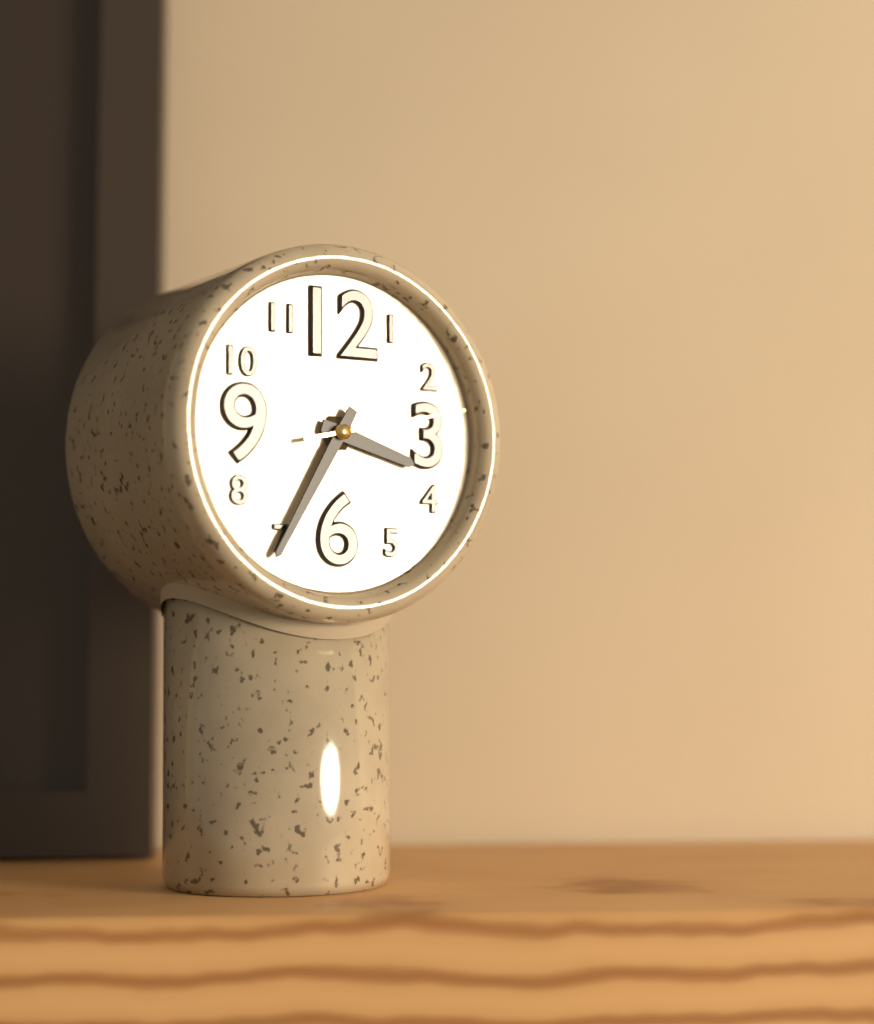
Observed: 3:35:13
